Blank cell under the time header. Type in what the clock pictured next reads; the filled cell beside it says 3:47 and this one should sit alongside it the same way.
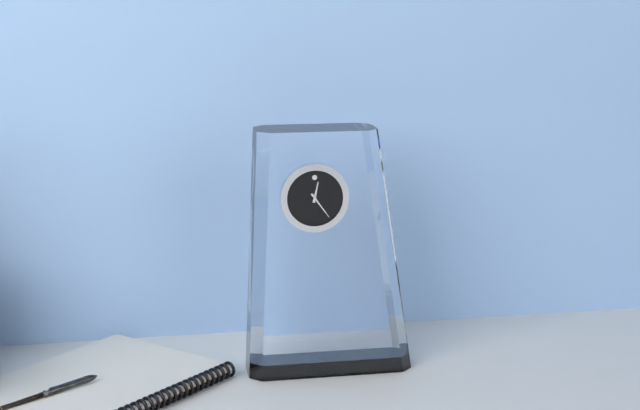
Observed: 12:24
